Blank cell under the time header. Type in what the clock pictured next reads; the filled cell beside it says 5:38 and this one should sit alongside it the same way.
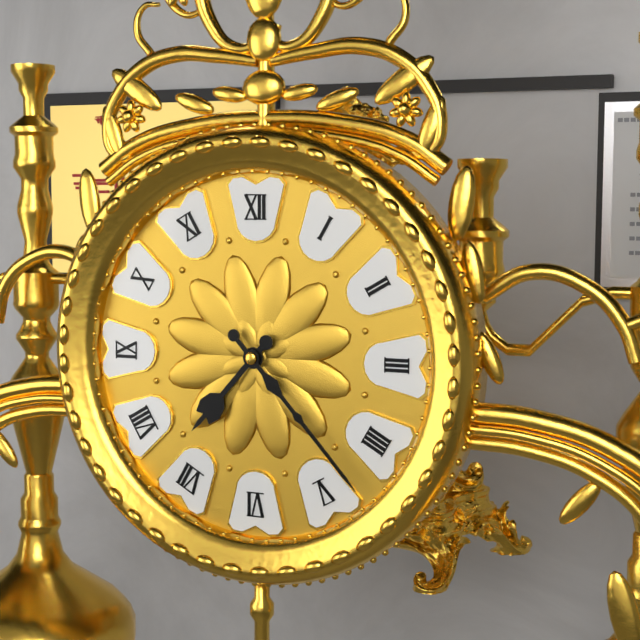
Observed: 7:23
